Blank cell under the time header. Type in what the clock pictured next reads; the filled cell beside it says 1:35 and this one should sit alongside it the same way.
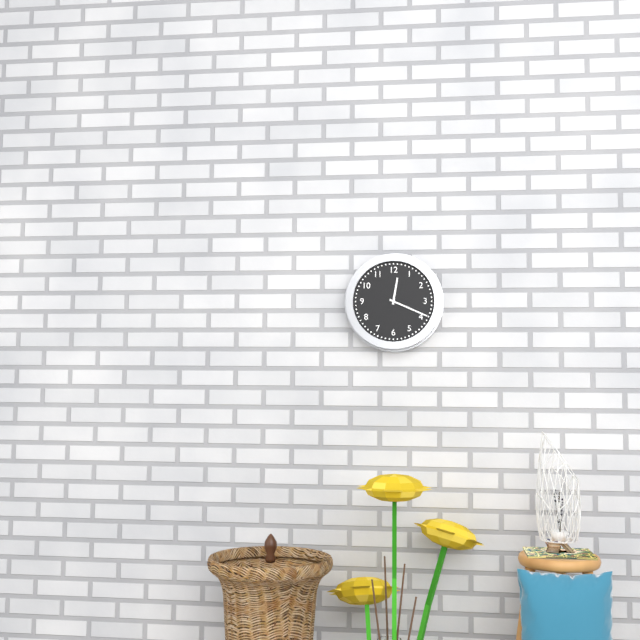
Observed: 12:19
